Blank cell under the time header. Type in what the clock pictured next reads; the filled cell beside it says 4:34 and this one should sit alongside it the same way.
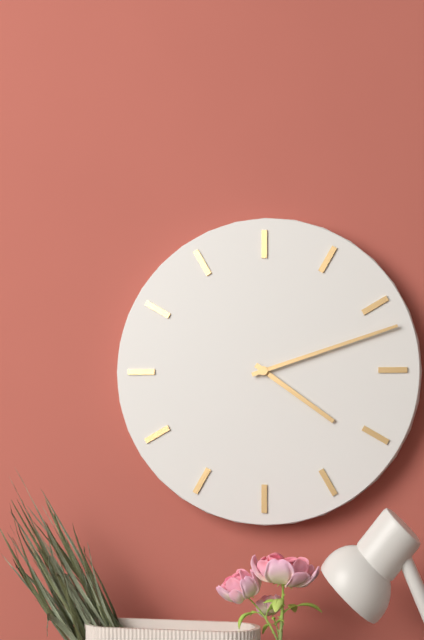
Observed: 4:12
